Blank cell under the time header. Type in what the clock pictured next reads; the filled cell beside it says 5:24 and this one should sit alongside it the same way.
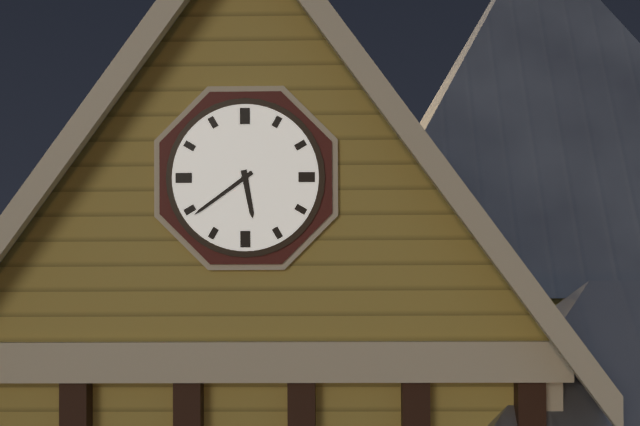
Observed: 5:39
